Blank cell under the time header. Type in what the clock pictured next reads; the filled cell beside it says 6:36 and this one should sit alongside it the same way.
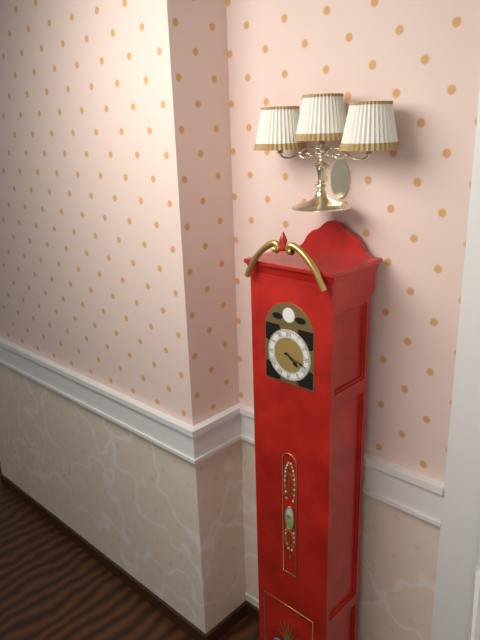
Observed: 4:18
